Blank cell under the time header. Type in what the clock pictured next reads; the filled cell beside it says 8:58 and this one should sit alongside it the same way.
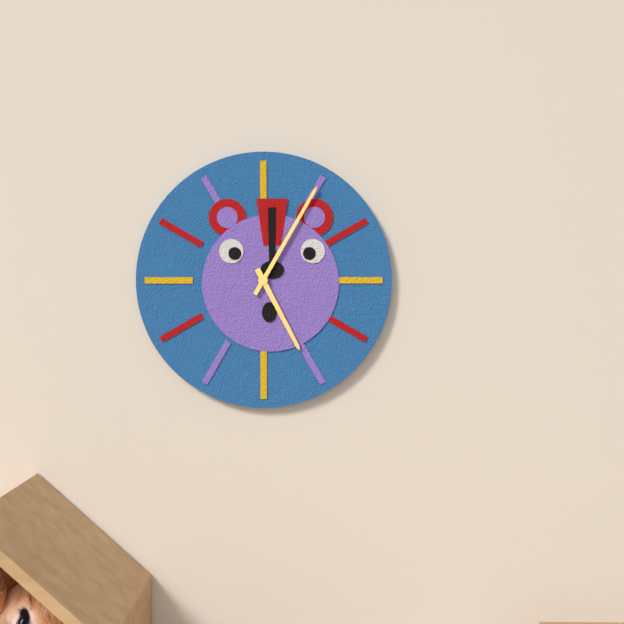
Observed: 5:05
